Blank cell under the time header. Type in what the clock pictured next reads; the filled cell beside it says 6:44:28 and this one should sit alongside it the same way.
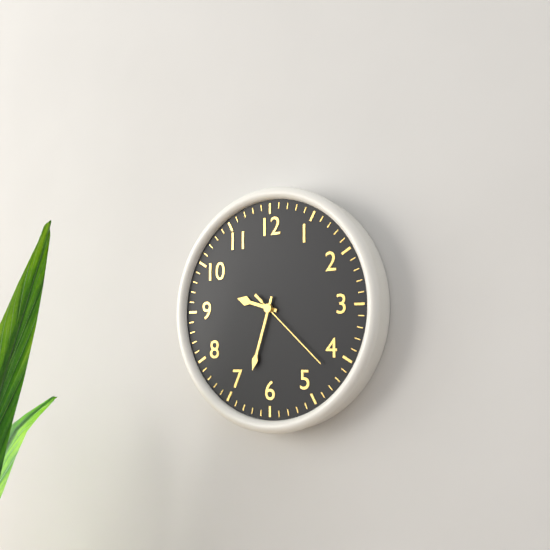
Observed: 9:33:22
